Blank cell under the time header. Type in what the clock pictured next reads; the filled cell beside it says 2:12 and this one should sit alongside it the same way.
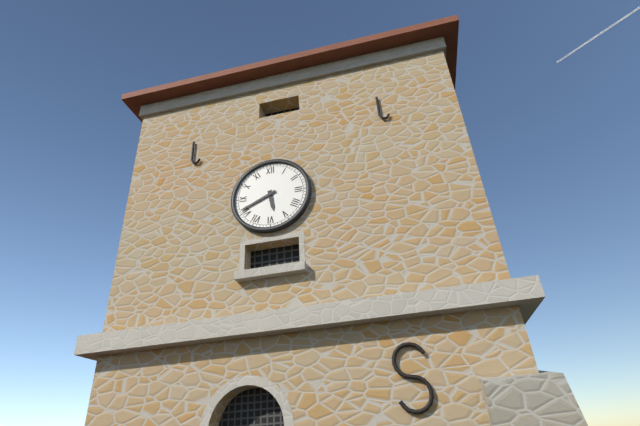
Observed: 5:41
